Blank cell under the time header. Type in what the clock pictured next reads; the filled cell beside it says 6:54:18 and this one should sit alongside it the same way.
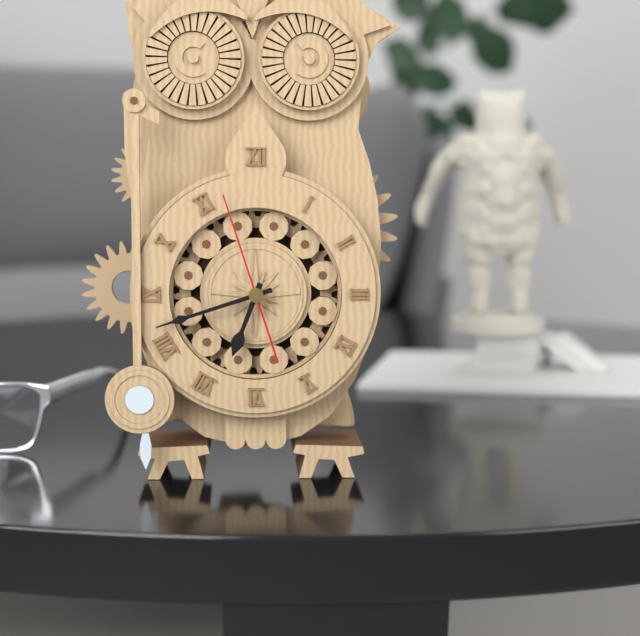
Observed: 6:42:57
